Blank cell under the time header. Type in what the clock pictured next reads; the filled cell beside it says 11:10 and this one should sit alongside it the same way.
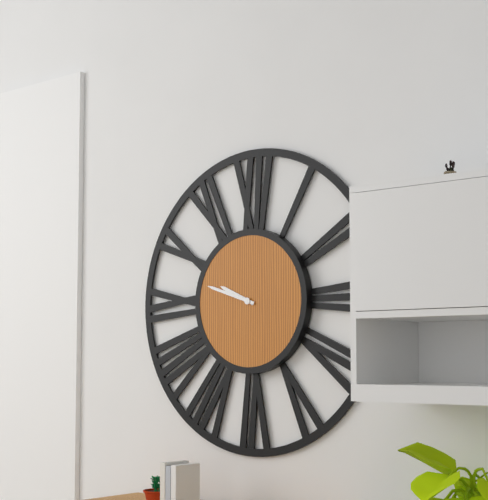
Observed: 9:48
